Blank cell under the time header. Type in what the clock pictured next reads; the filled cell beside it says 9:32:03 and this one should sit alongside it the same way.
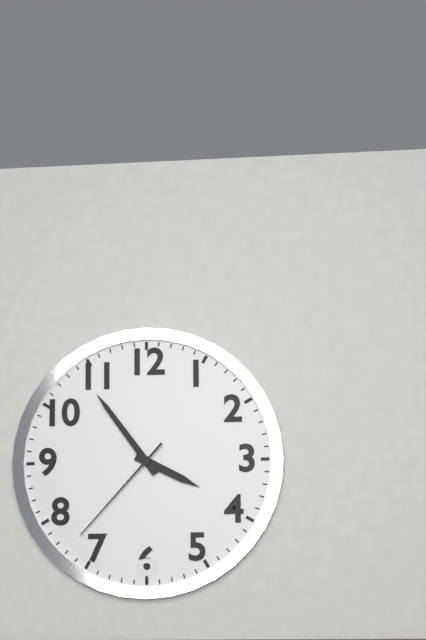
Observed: 3:54:37
